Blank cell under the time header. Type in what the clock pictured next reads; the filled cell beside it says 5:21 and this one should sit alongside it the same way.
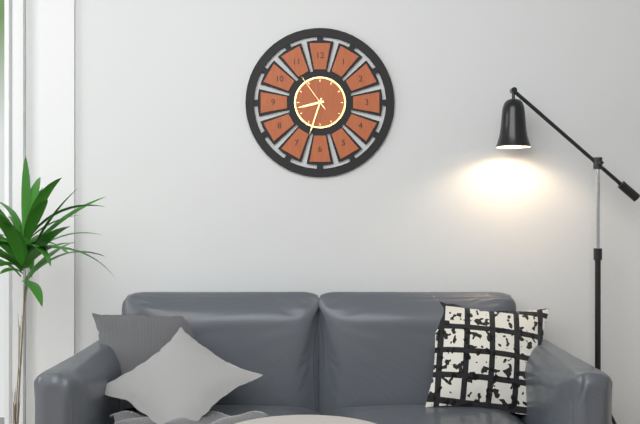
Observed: 8:33
